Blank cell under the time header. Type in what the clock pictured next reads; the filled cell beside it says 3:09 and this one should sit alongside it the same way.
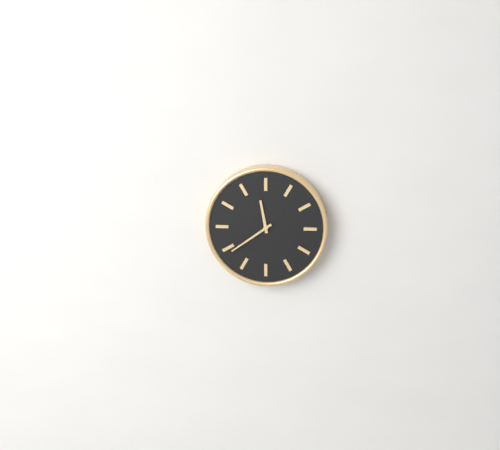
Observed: 11:39
